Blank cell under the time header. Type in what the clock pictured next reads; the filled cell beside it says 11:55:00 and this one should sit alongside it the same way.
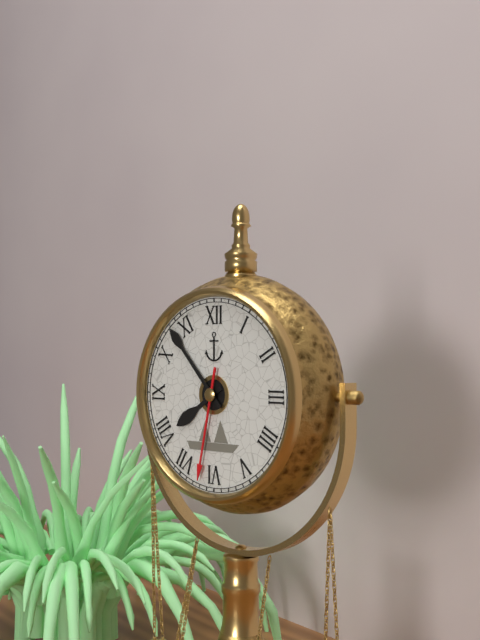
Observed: 7:53:32
